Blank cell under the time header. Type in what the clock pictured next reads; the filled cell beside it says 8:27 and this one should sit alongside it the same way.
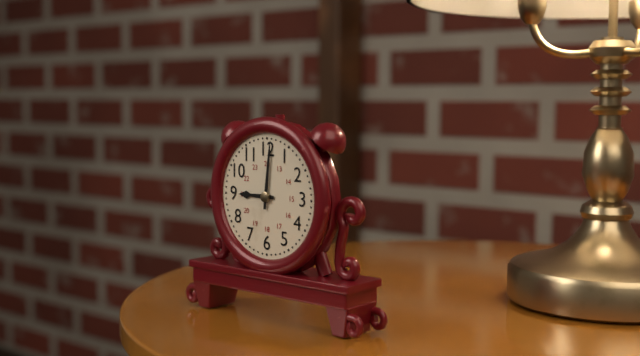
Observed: 9:01
